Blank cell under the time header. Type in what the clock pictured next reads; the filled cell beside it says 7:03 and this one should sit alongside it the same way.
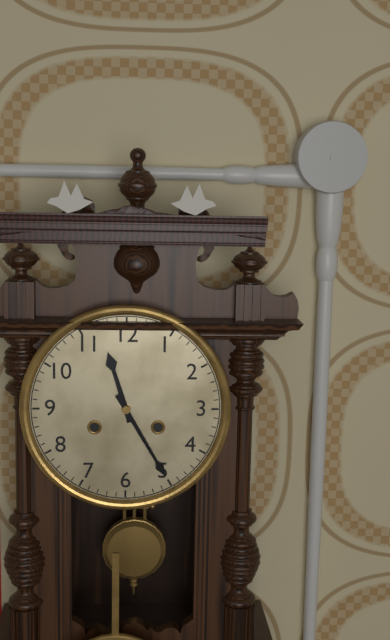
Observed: 11:25
